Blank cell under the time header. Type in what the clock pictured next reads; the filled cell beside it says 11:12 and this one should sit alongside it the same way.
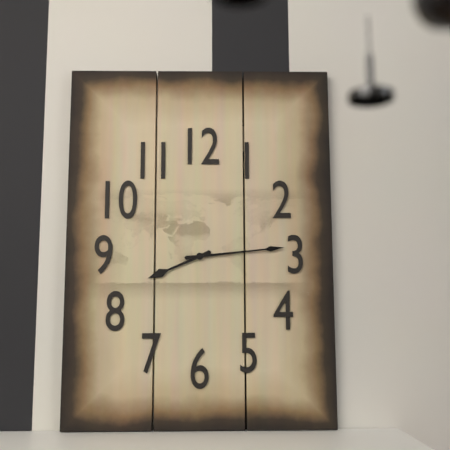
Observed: 8:14
